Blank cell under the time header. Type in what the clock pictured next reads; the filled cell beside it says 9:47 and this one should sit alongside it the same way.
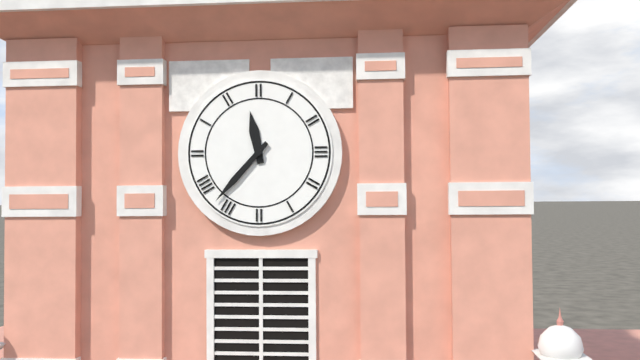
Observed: 11:37
